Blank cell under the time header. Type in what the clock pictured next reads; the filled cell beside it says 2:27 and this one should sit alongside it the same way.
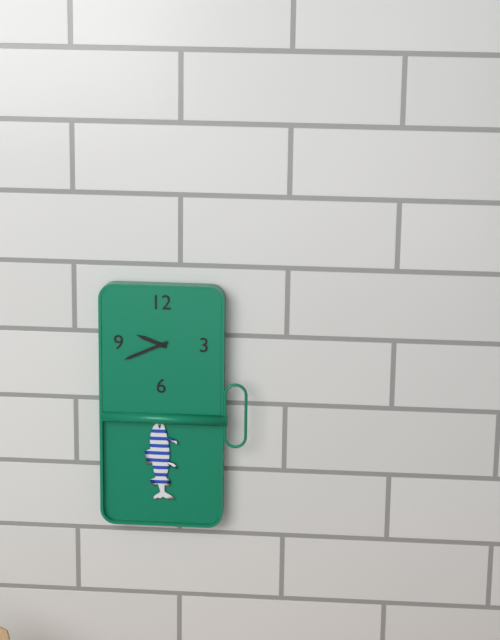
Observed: 9:41
